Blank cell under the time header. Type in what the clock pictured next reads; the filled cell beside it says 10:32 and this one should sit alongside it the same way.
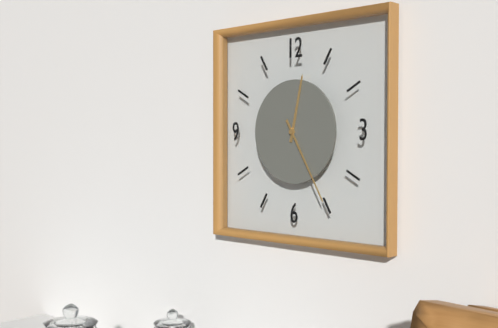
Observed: 12:25
